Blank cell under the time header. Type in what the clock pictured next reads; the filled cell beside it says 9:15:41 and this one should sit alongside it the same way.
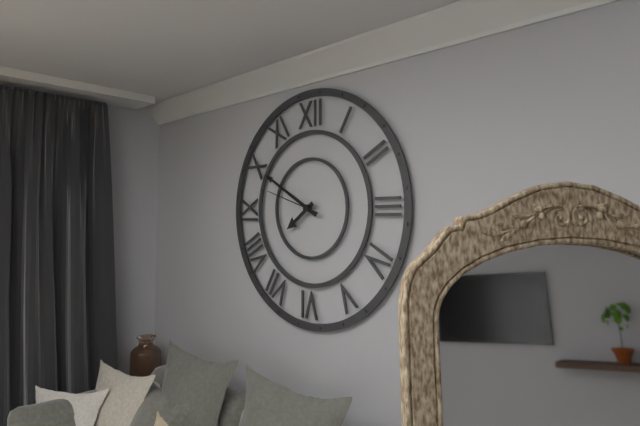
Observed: 7:50:48
